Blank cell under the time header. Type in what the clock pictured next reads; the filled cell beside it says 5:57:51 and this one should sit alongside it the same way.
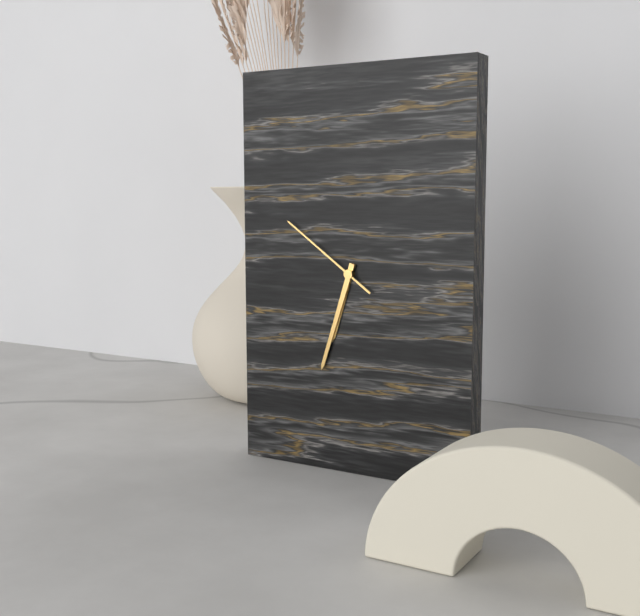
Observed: 6:33:51
